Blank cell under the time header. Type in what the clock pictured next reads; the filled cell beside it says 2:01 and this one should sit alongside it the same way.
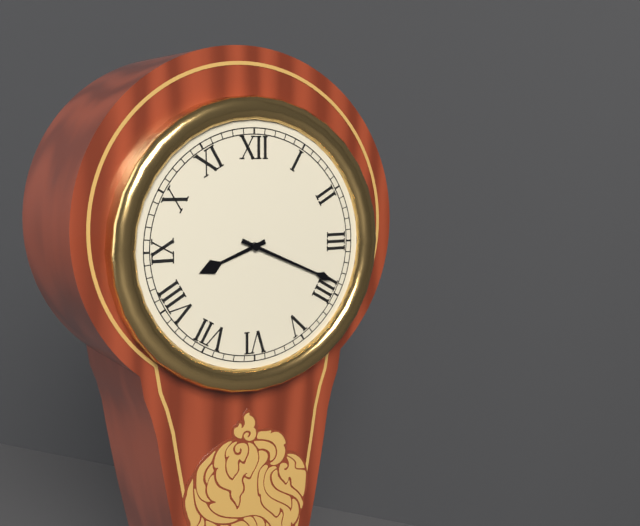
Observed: 8:19
